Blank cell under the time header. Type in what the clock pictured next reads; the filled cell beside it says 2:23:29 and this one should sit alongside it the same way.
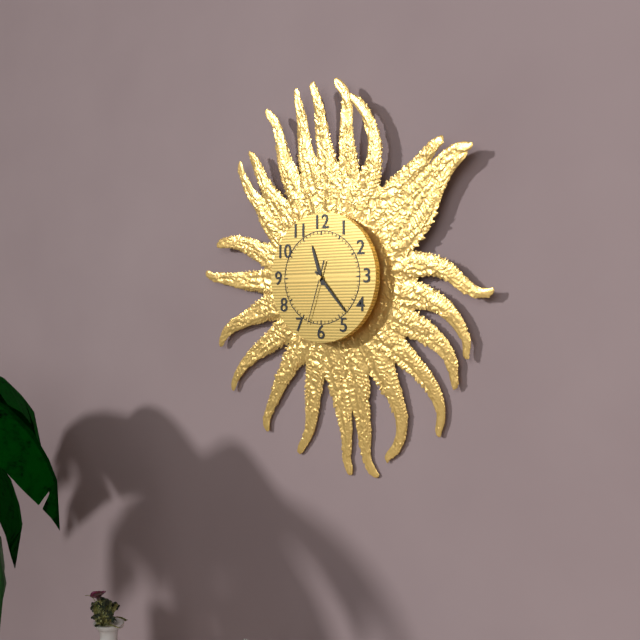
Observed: 11:23:33
